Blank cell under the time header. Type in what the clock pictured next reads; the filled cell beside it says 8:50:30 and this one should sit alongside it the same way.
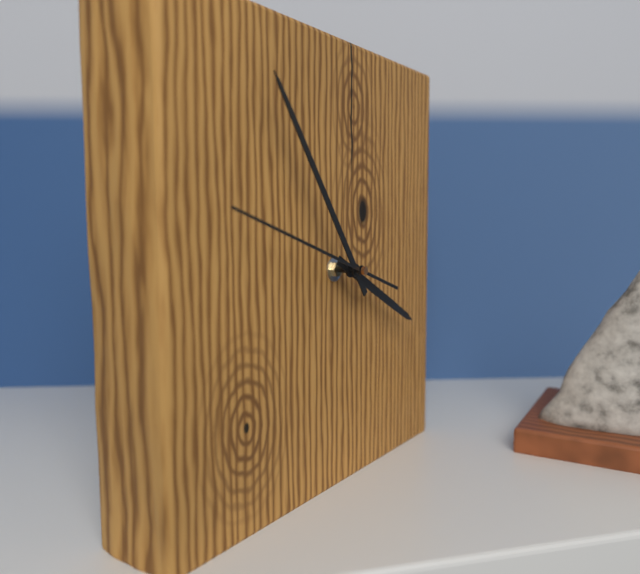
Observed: 3:54:48
